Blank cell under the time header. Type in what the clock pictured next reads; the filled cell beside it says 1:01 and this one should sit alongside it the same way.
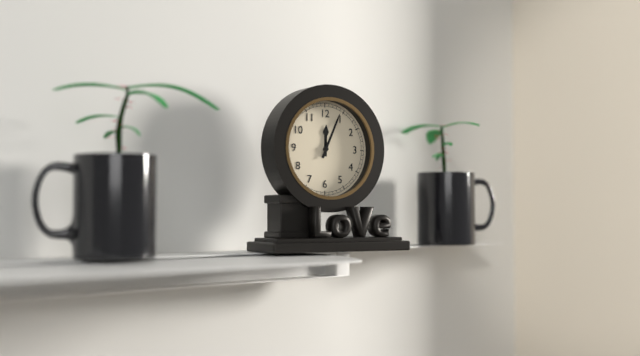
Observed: 12:04
